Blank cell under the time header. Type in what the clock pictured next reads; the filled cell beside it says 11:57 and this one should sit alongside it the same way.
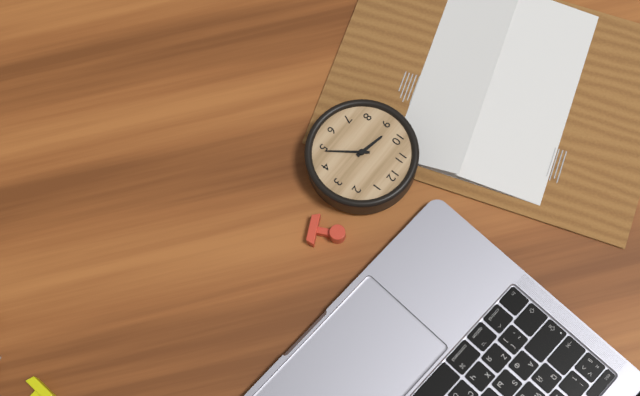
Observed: 9:24
